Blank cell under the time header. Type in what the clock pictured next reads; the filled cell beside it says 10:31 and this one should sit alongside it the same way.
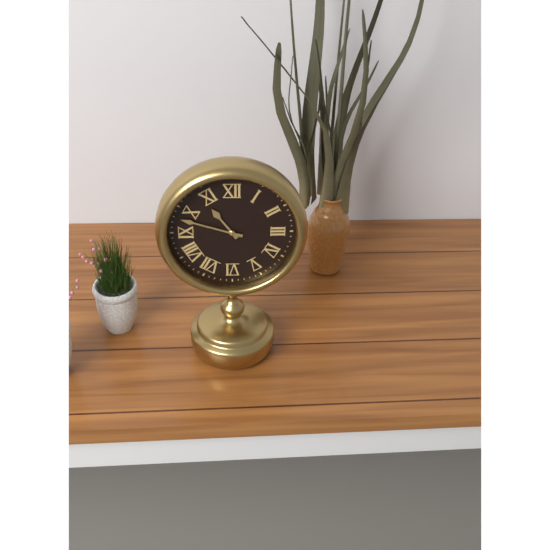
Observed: 10:48
